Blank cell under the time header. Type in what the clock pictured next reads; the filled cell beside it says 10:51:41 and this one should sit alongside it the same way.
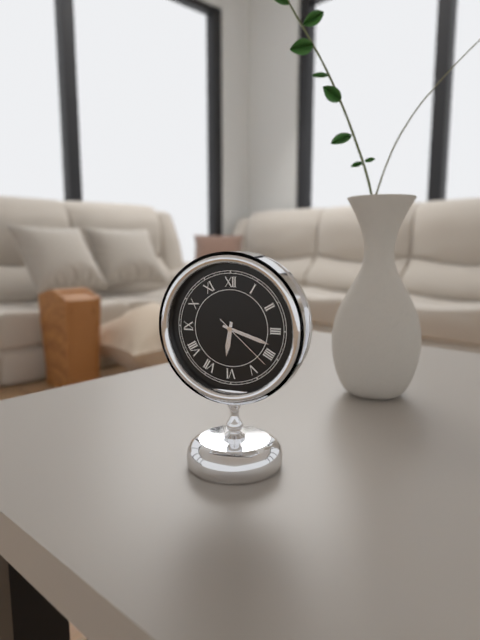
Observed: 6:18:22
